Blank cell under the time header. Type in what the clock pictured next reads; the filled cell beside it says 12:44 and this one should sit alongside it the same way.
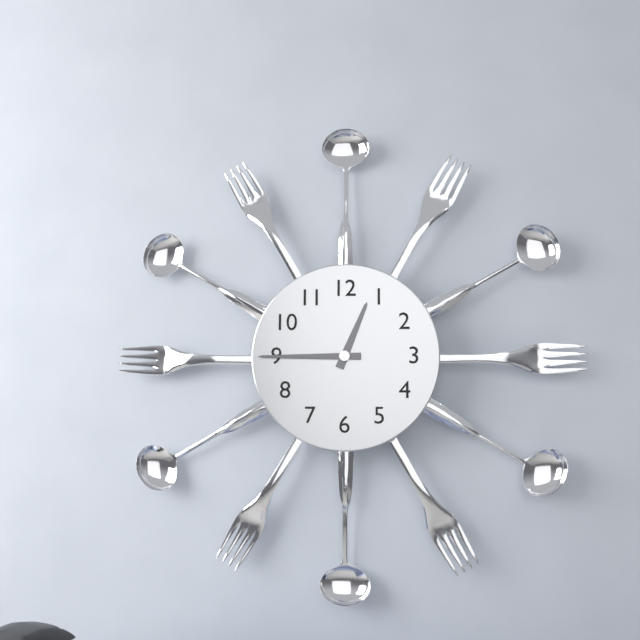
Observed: 12:45
